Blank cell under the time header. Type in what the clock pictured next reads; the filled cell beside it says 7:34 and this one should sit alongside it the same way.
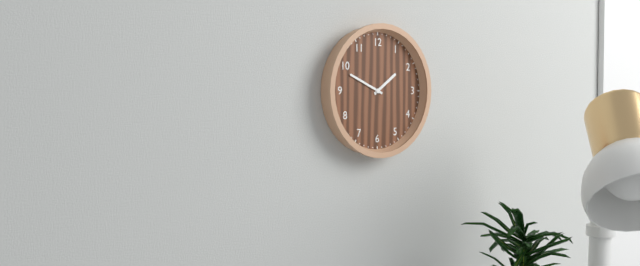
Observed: 1:49
